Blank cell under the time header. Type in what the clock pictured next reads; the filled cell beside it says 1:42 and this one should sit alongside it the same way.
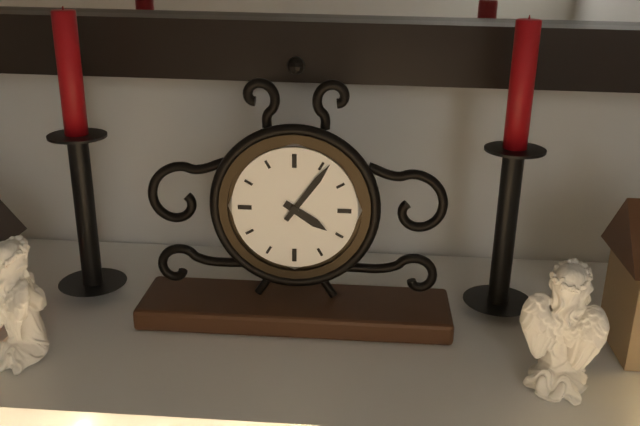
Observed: 4:06
